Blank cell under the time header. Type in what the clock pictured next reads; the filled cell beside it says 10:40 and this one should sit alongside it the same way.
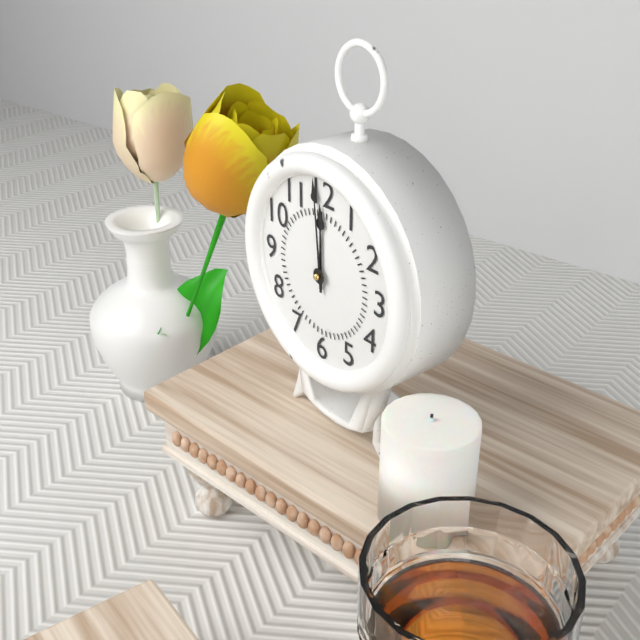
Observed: 11:59
